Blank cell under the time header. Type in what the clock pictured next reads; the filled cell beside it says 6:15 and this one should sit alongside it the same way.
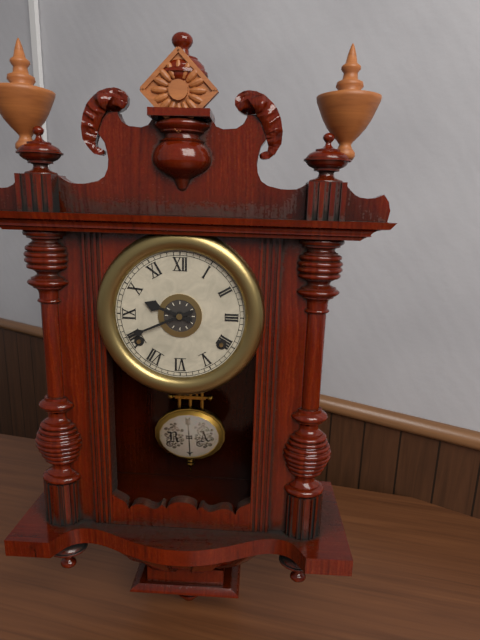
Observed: 9:41
